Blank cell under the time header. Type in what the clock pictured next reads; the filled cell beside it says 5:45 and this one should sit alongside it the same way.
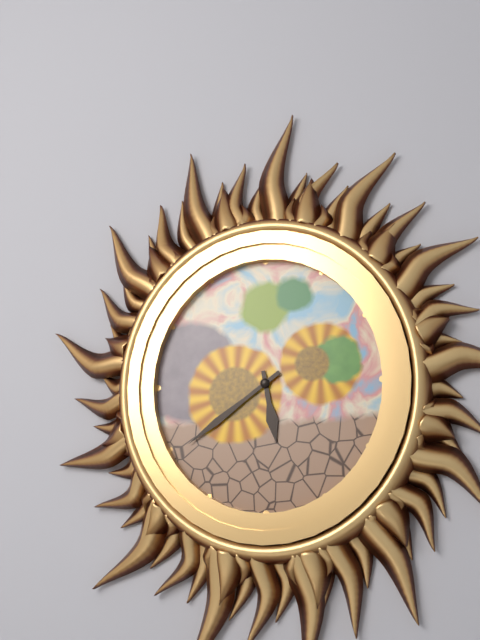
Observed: 5:39
